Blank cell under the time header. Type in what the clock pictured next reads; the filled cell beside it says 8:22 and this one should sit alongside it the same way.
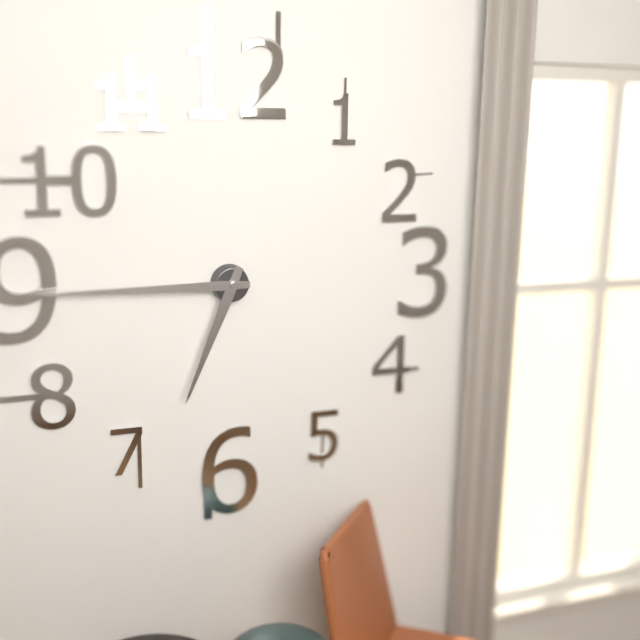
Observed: 6:45
